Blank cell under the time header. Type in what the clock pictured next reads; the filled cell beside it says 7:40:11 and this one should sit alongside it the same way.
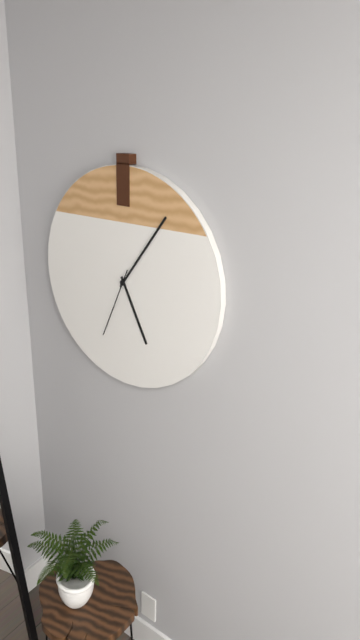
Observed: 5:06:34
